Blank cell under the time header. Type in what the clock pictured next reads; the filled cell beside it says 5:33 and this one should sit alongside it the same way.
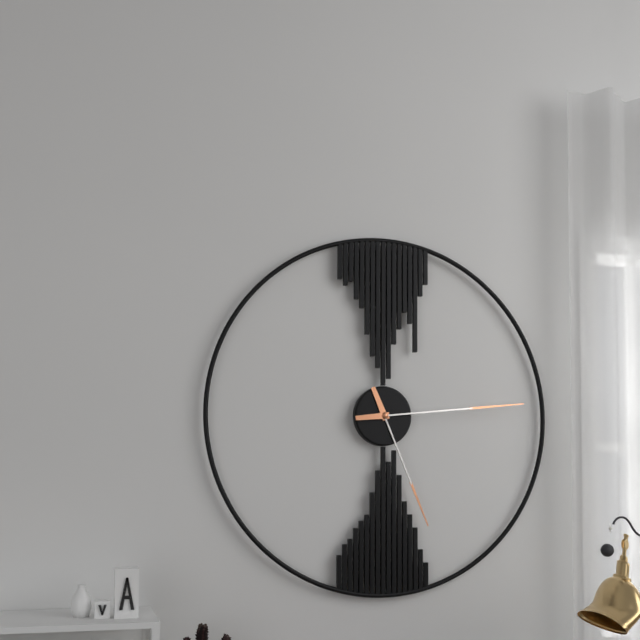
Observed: 5:14
